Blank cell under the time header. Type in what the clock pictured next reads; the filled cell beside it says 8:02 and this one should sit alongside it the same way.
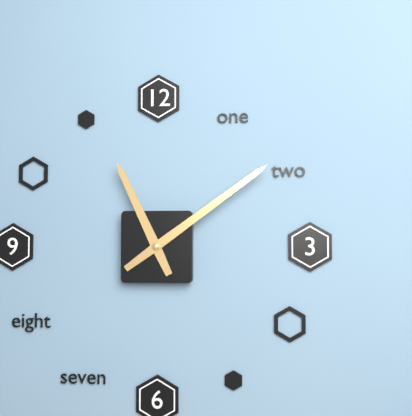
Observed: 11:09
